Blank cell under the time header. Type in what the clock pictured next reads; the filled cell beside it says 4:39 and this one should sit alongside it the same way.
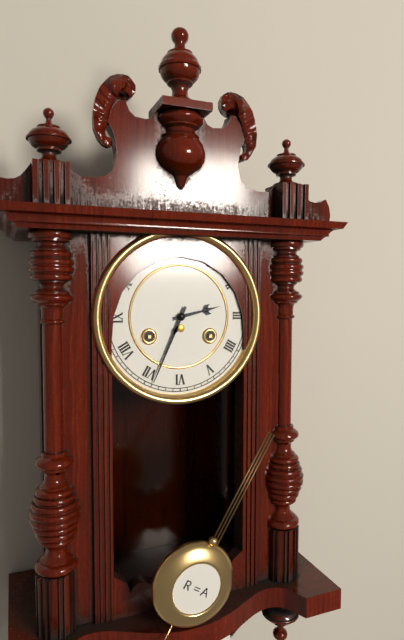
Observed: 2:34
